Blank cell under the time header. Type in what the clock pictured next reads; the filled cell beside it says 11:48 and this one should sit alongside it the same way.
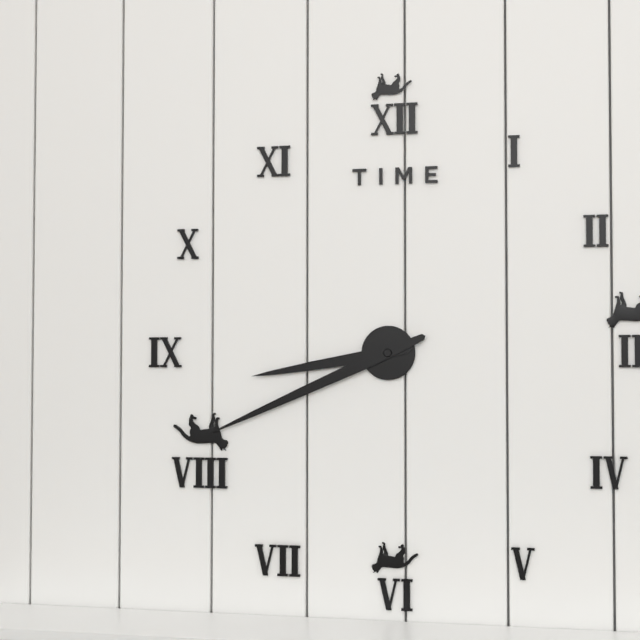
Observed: 8:41
